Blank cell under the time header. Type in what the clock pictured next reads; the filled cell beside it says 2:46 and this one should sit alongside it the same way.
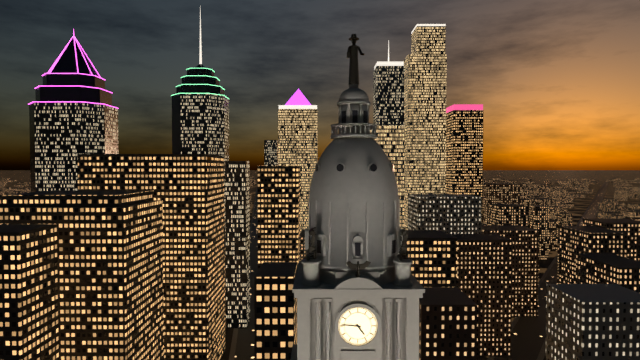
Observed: 4:46
